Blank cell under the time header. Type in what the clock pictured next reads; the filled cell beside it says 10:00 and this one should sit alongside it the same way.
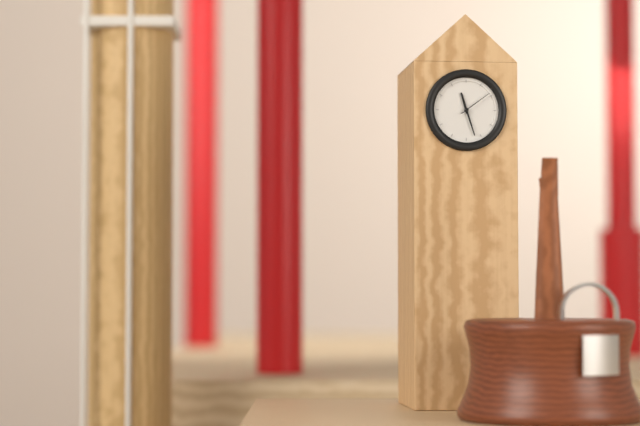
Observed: 11:27
